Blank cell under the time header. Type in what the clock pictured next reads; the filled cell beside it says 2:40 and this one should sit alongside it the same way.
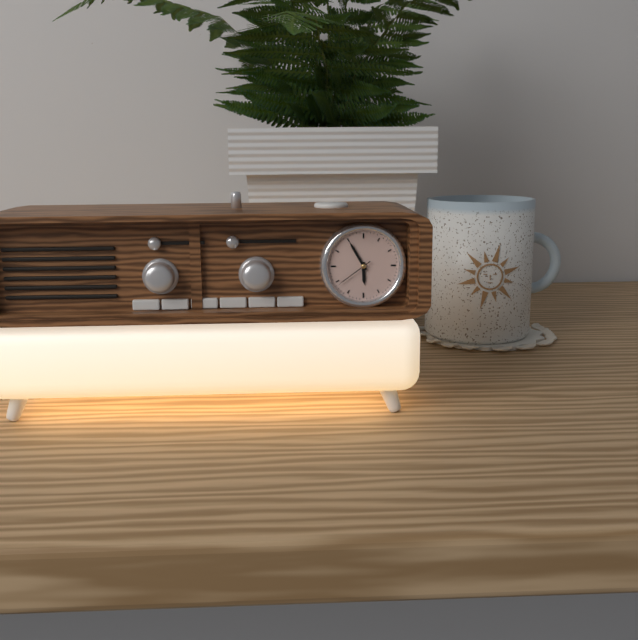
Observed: 5:55
